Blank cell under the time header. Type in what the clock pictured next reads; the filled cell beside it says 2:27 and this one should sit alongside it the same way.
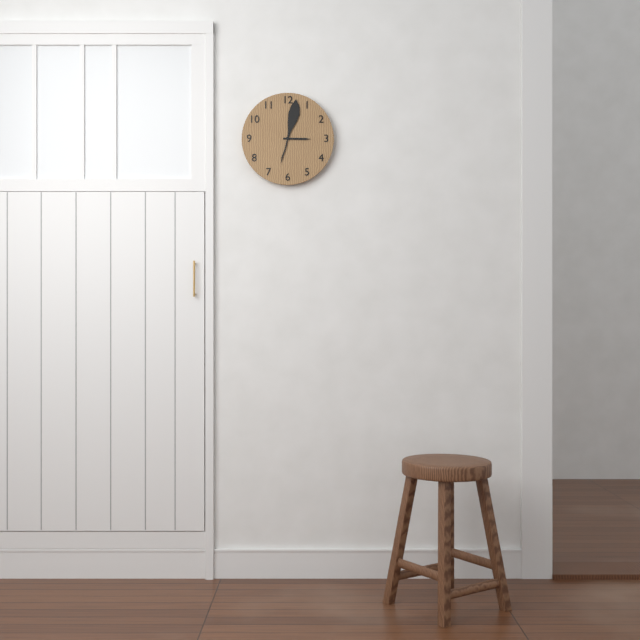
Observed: 3:02
